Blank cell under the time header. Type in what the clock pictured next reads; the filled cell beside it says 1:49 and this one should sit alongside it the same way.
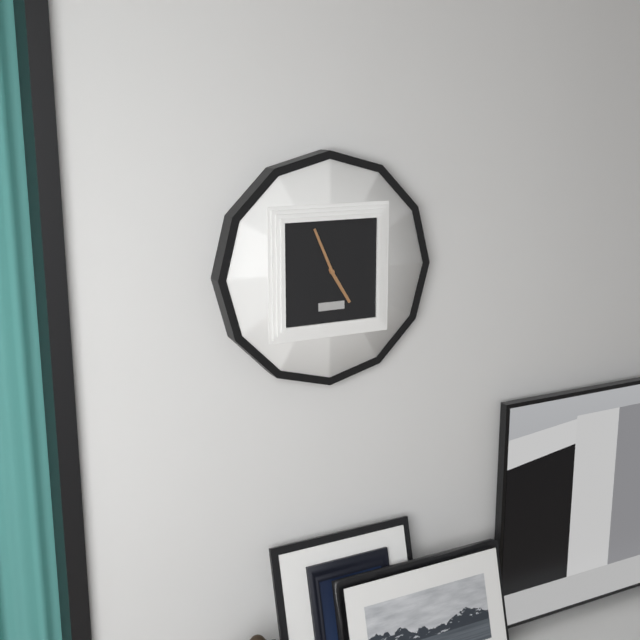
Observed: 4:56
